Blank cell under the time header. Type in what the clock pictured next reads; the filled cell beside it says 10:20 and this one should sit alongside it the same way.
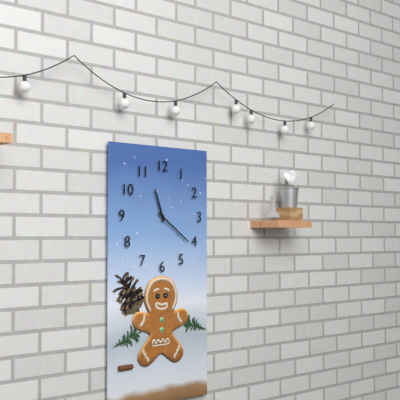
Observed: 11:21
